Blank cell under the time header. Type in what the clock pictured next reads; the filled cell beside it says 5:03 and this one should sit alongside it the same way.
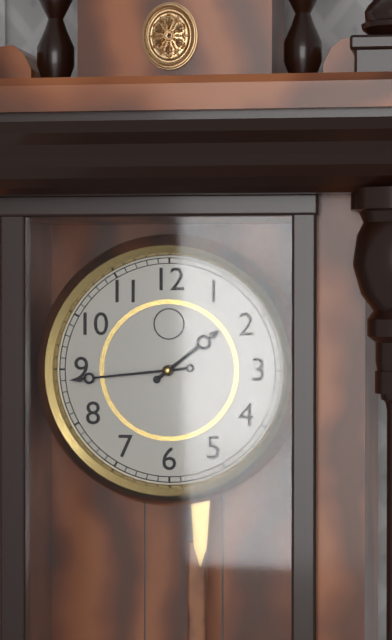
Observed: 1:44
